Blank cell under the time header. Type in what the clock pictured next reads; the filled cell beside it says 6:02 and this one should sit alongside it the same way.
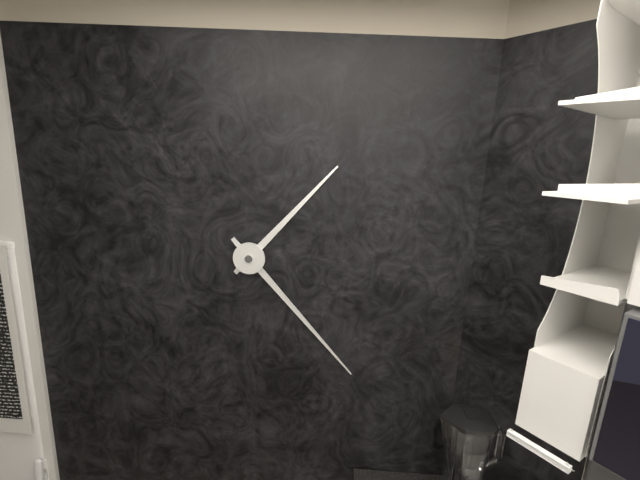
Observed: 1:23
